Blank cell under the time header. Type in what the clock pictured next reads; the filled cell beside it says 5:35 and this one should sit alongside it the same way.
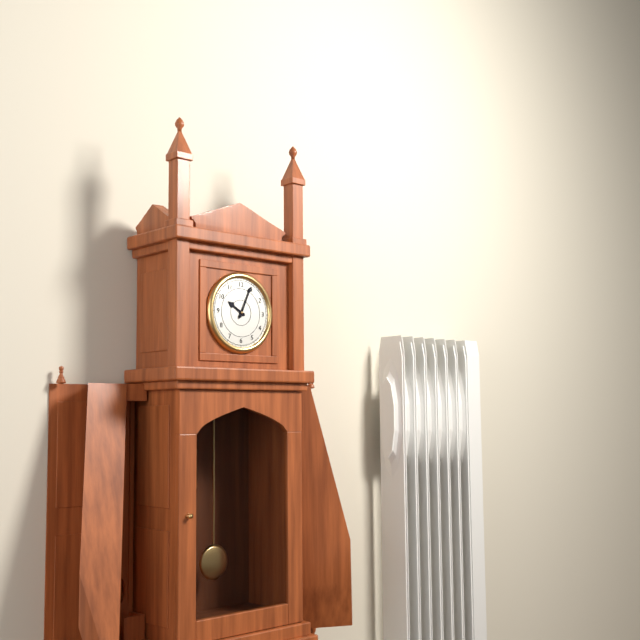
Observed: 10:04
